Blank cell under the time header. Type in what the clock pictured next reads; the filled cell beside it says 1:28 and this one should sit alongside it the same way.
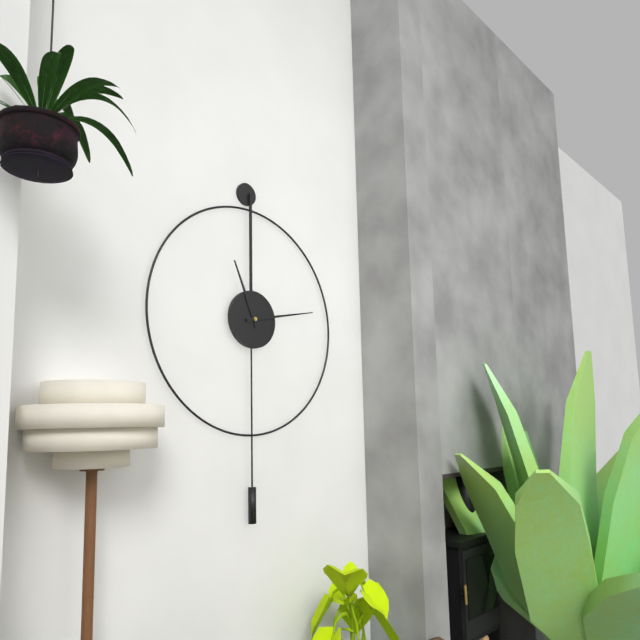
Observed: 11:13
